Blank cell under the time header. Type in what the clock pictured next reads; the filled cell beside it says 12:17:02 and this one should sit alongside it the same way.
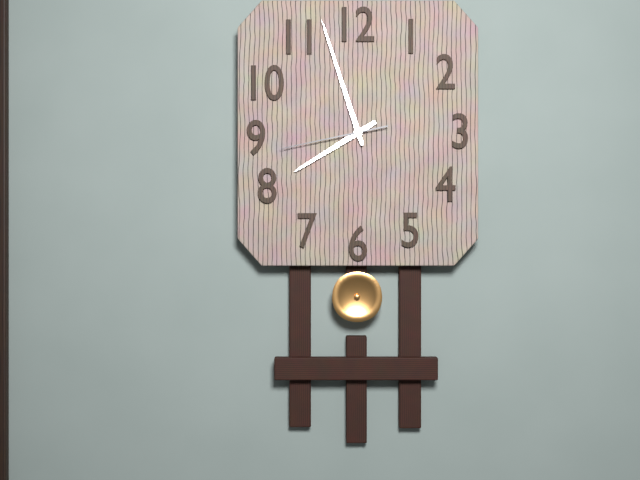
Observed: 7:57:43
